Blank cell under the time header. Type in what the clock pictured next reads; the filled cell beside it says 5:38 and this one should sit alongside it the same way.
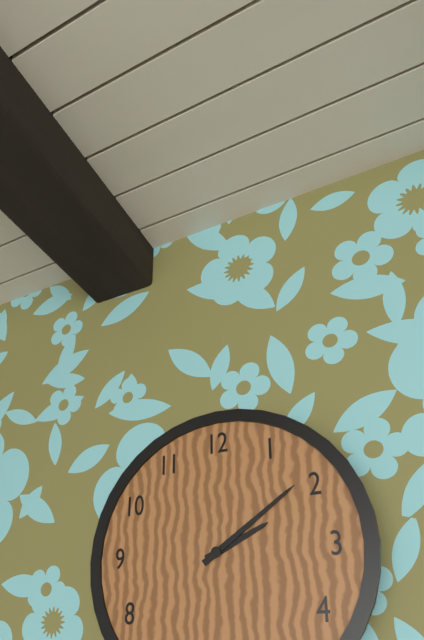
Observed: 2:09
